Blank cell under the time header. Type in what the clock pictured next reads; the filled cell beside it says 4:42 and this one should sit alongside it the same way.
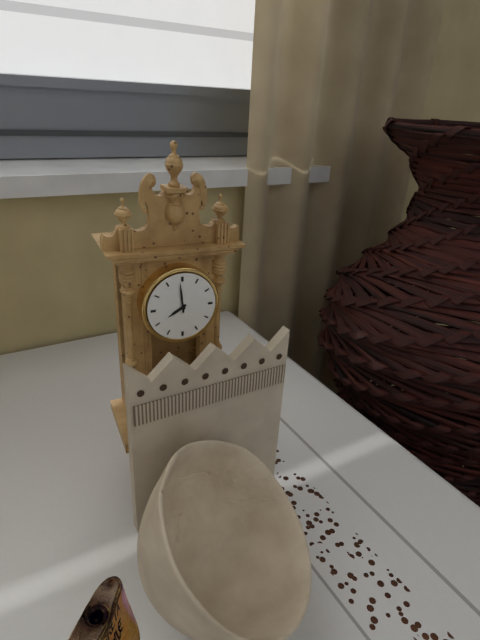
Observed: 7:59
